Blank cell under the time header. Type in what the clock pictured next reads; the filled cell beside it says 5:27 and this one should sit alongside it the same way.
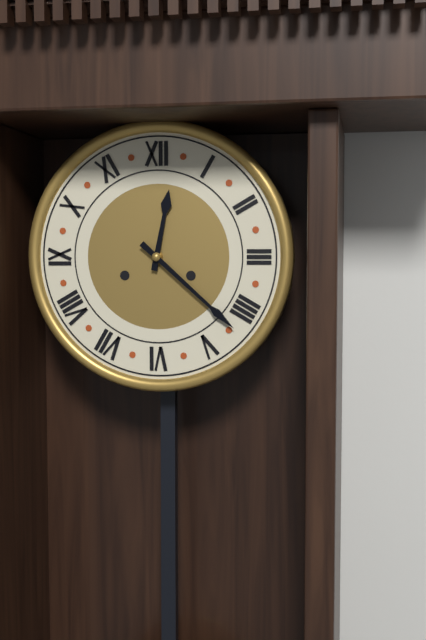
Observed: 12:22
